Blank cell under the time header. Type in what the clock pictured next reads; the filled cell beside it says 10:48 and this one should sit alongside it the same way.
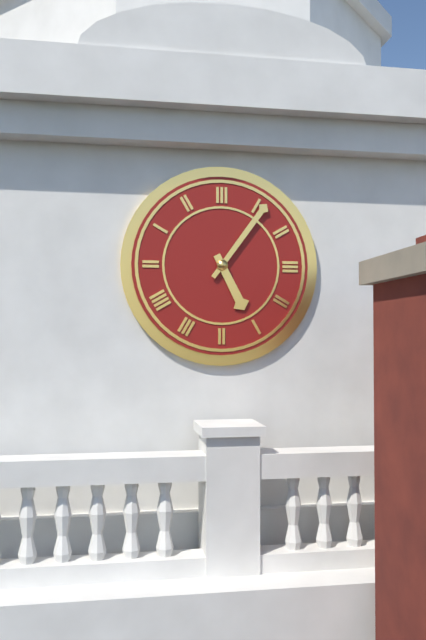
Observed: 5:06
